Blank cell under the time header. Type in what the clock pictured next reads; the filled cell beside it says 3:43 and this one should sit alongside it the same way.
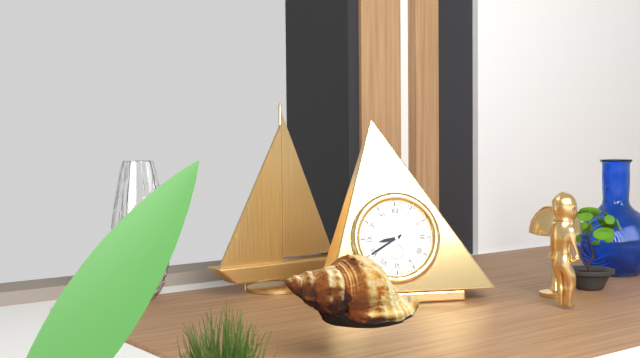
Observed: 8:40
